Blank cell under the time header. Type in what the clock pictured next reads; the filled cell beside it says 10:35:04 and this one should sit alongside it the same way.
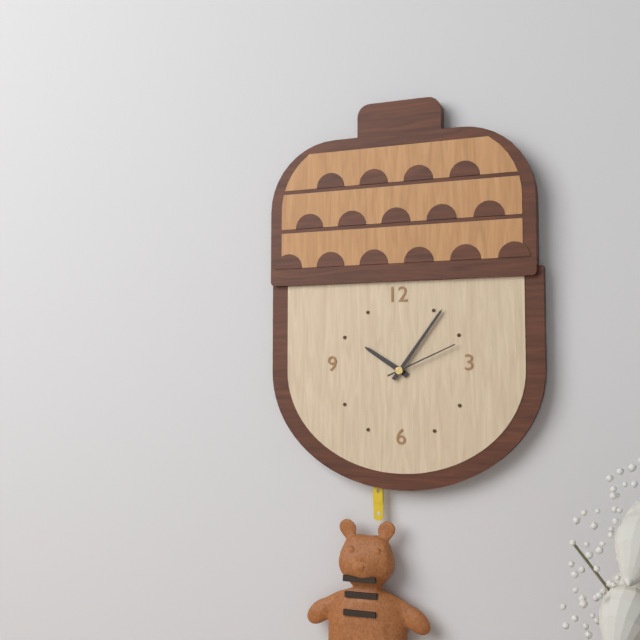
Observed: 10:06:11
